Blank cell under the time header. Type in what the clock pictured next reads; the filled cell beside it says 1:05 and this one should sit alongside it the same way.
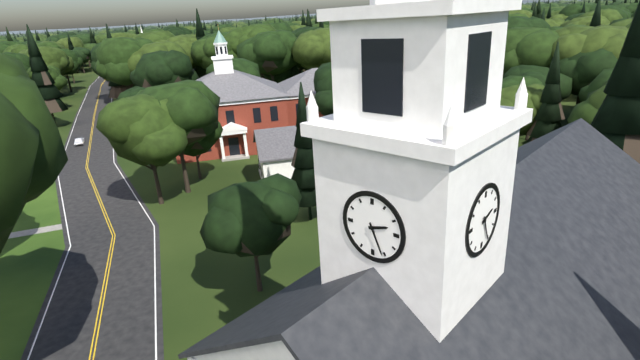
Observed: 2:26
